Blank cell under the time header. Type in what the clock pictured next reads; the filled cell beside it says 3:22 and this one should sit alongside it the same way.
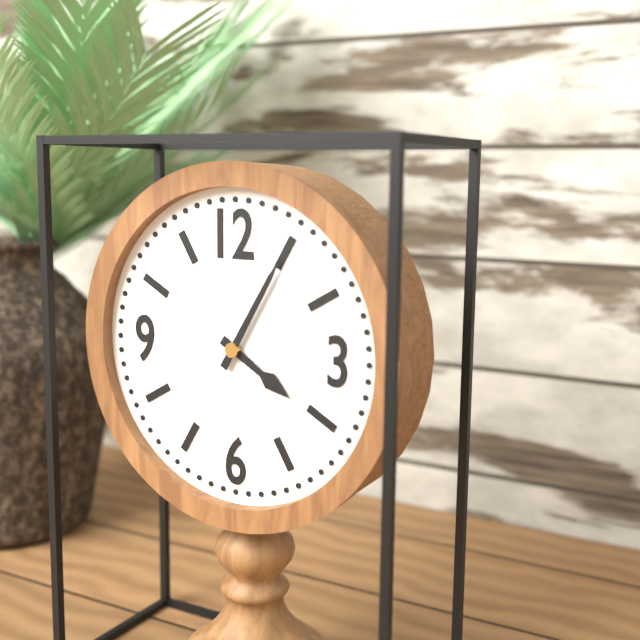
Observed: 4:05
